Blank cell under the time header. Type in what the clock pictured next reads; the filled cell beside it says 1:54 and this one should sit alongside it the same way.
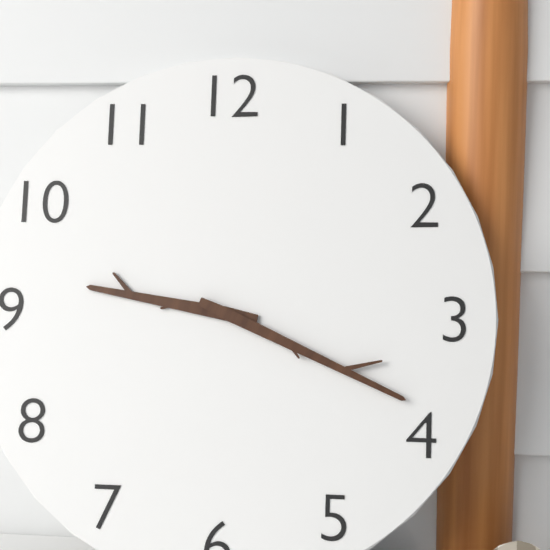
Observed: 9:19
